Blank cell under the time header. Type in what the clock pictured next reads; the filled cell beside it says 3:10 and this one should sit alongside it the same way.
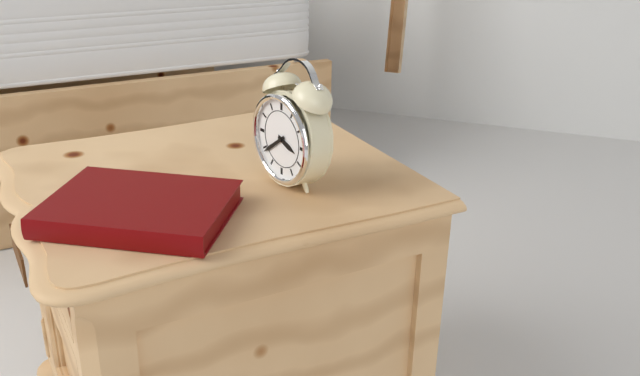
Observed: 3:39
